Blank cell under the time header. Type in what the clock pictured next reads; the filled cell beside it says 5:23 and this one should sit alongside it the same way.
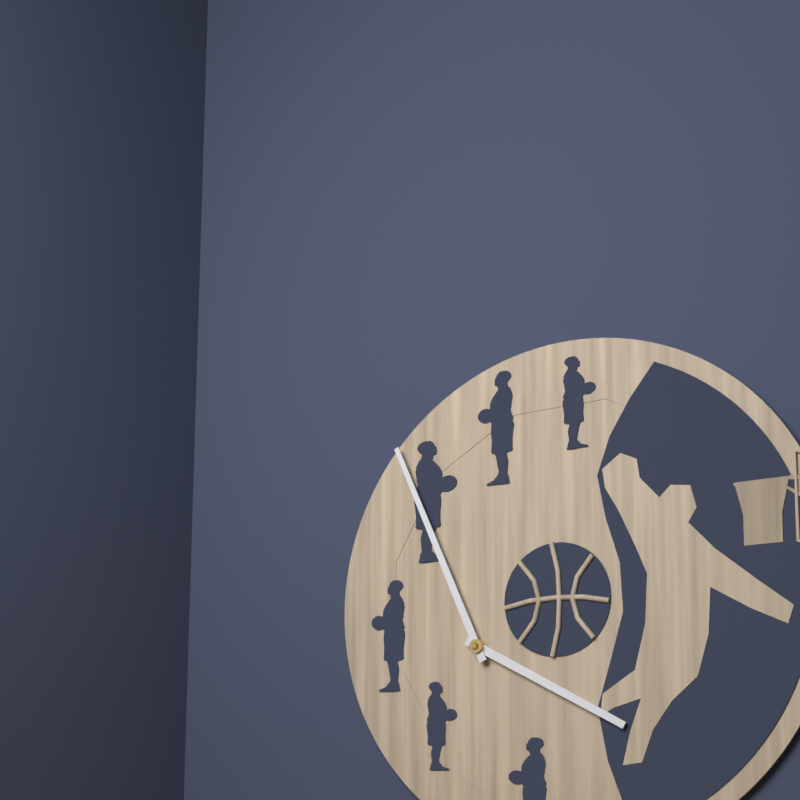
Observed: 3:56
